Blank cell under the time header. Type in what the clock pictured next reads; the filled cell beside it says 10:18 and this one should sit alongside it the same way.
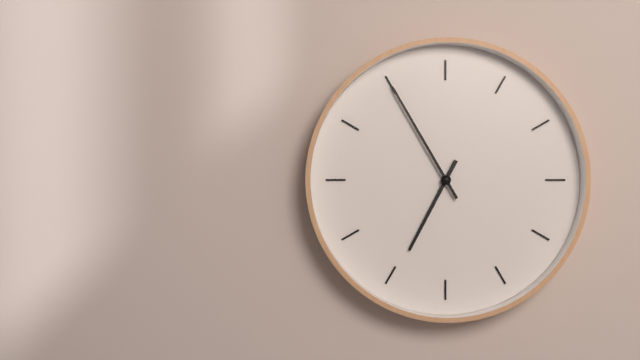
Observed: 6:55
